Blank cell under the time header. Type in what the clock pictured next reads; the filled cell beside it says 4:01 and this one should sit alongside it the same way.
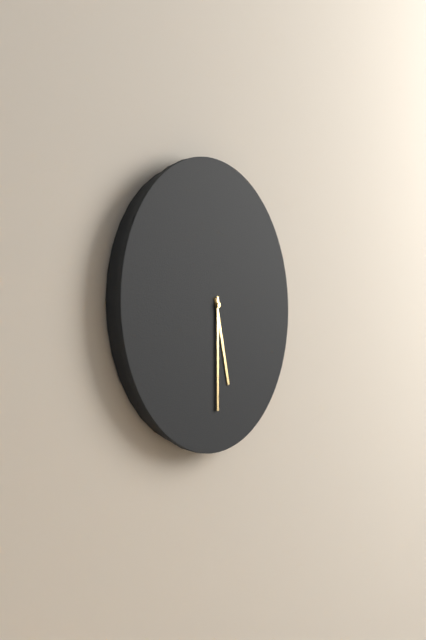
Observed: 5:30
